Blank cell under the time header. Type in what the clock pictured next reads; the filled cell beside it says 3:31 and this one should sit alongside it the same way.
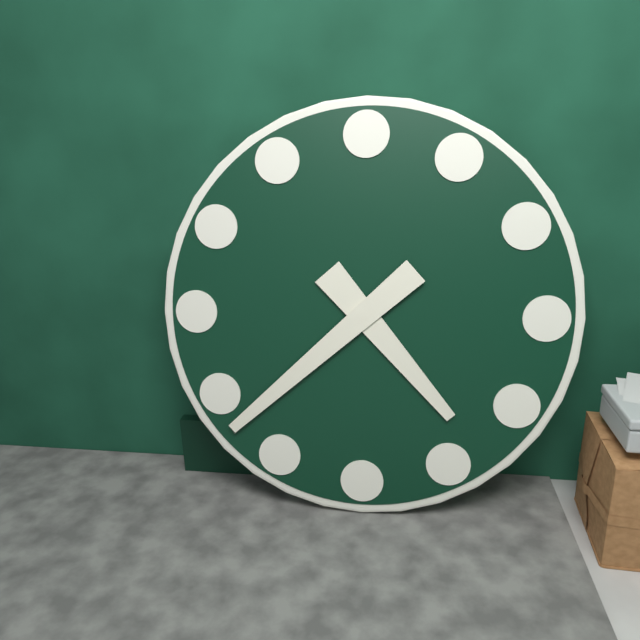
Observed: 4:38
